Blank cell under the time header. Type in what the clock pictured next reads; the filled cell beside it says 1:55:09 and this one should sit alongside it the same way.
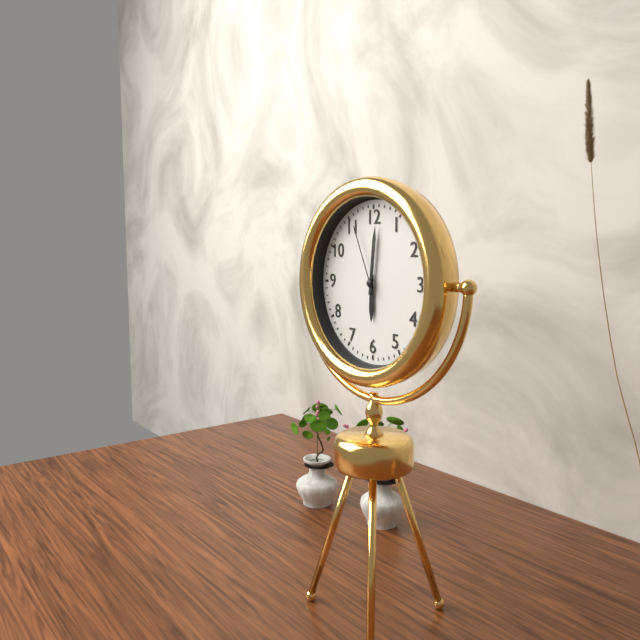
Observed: 6:01:56
